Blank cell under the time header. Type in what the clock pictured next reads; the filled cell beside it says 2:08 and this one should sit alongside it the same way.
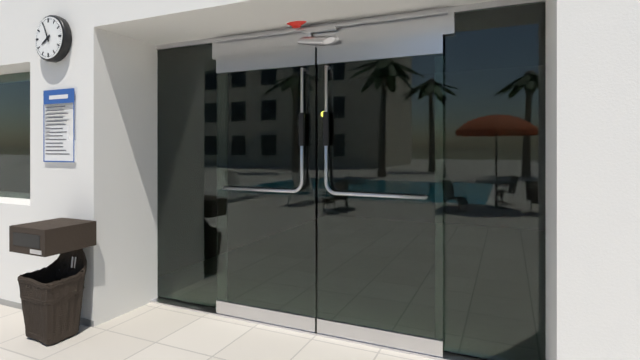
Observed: 7:56
